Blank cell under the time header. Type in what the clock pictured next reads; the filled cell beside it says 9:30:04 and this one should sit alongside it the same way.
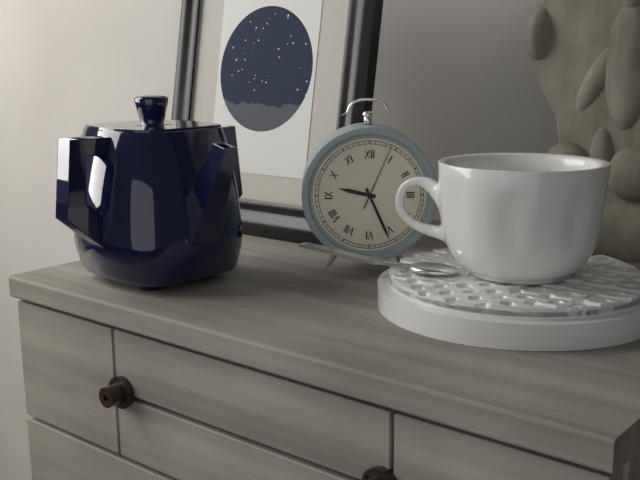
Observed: 9:26:04
